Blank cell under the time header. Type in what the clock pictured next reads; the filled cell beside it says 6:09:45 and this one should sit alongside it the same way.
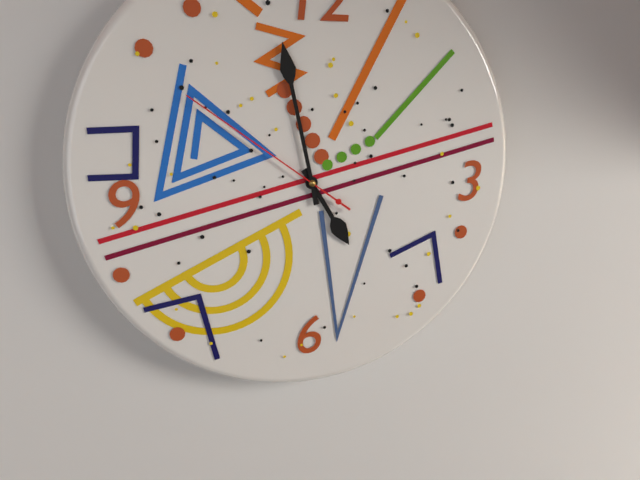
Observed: 4:58:51
